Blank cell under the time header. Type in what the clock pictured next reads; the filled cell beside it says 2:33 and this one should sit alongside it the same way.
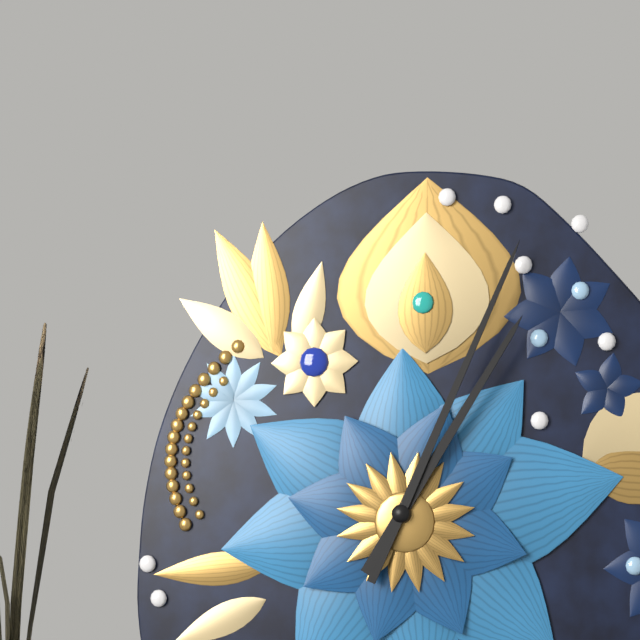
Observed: 1:04
